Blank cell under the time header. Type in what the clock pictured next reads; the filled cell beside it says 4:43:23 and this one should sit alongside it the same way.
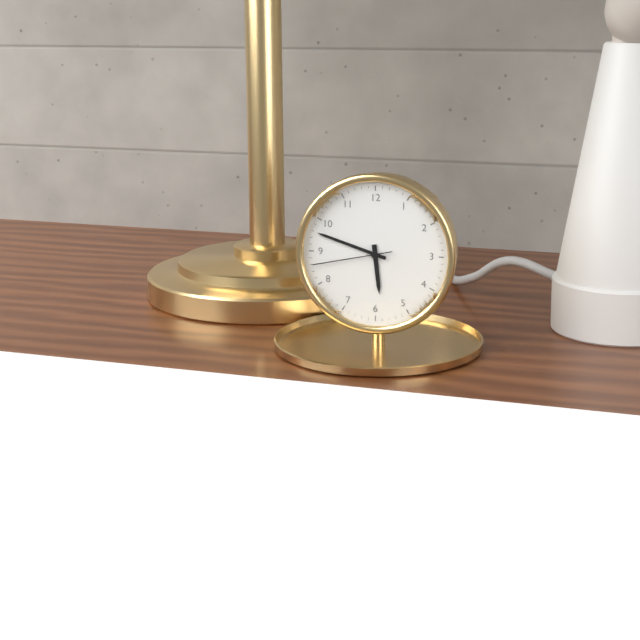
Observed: 5:48:43
